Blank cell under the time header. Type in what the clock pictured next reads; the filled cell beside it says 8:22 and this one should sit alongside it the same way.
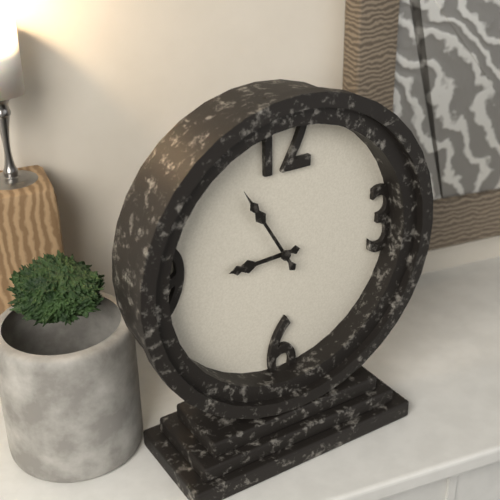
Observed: 8:55
